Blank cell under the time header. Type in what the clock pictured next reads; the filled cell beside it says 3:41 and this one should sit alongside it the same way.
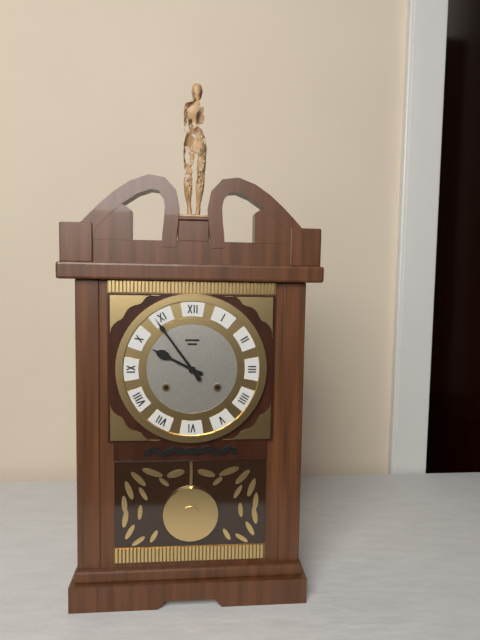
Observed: 9:54
